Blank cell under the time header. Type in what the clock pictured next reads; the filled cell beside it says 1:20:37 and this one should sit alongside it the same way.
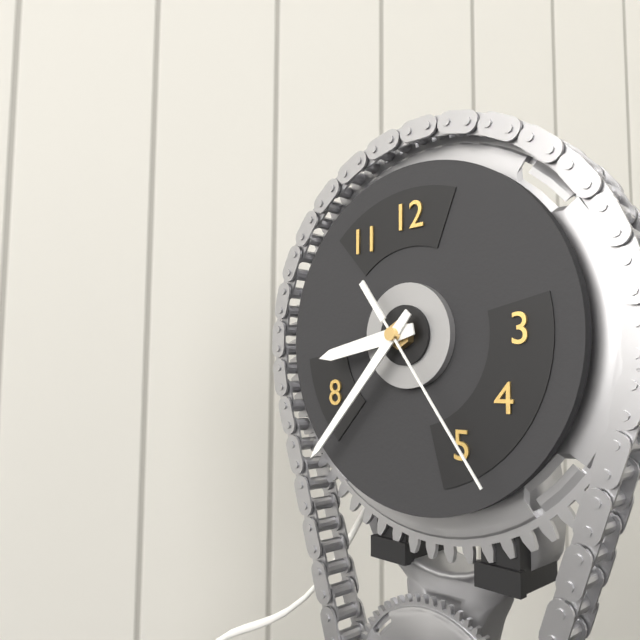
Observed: 8:37:24
